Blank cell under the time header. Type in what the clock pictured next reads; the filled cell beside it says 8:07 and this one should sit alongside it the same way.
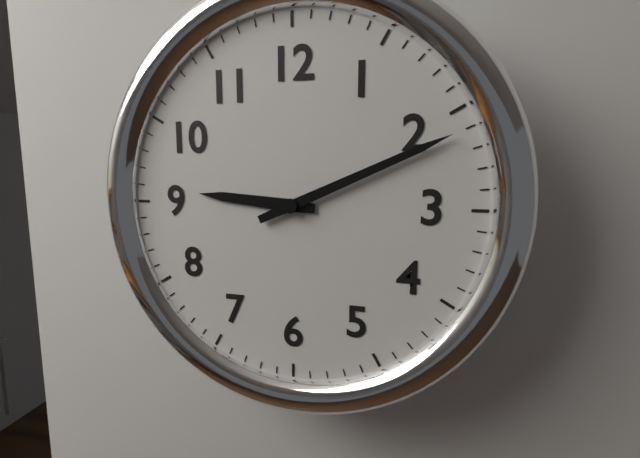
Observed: 9:11
